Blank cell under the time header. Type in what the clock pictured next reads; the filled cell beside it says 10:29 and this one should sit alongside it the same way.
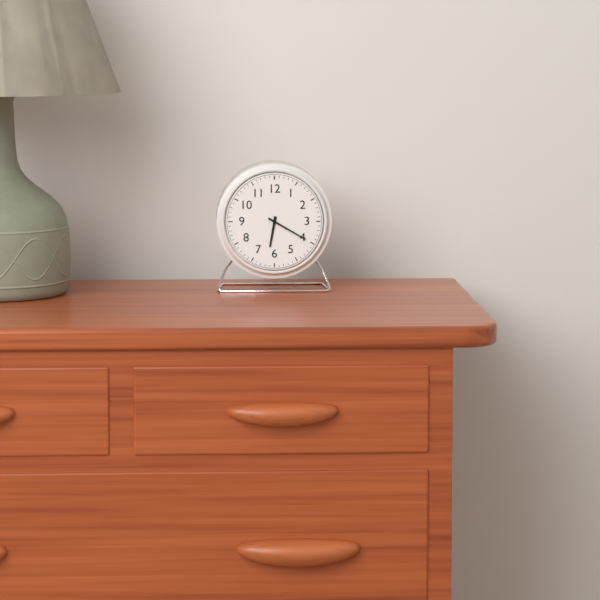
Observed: 6:20
